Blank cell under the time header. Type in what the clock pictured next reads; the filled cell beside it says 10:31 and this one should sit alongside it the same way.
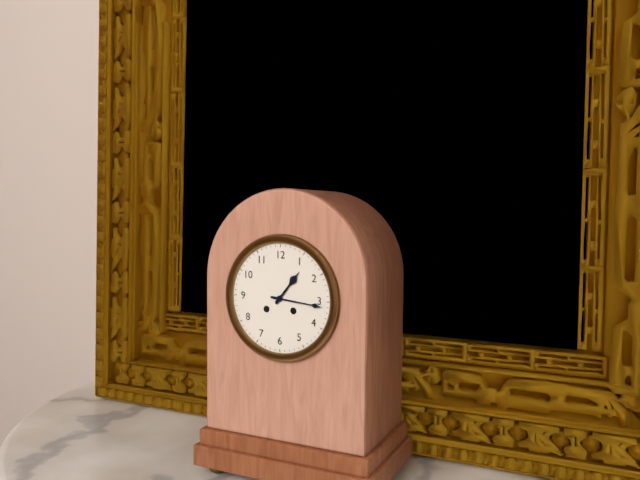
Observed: 1:16
